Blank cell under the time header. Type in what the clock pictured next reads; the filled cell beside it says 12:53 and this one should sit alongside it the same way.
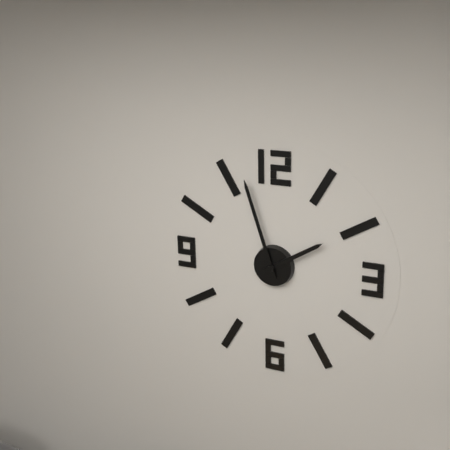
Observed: 1:57
